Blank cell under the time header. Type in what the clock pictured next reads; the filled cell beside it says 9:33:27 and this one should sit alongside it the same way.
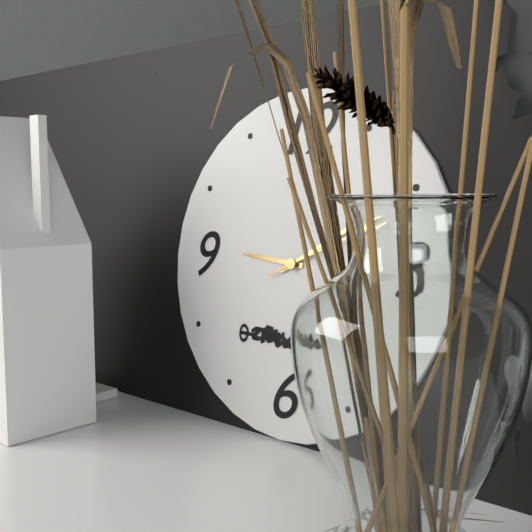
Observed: 9:10:11
